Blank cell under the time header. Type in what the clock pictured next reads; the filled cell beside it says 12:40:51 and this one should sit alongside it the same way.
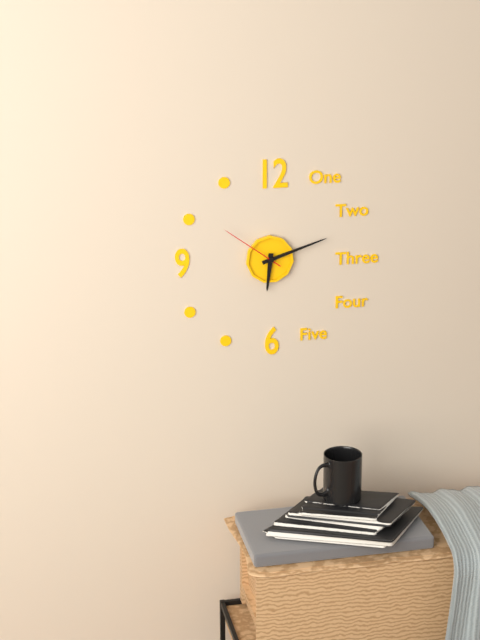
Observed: 6:12:51
